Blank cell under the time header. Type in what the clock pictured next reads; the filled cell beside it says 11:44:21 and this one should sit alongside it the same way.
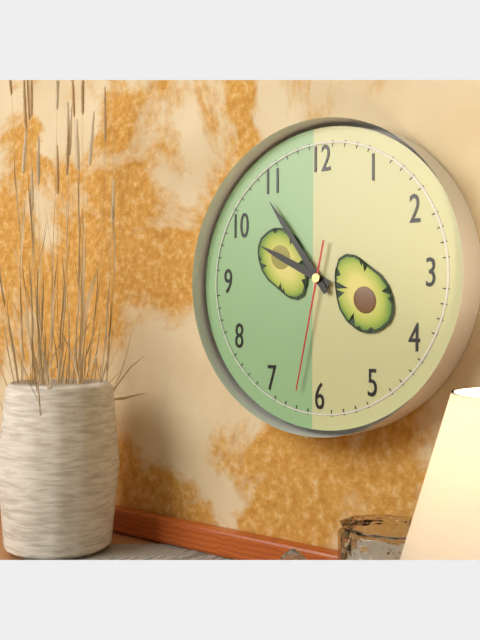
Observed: 9:54:32
